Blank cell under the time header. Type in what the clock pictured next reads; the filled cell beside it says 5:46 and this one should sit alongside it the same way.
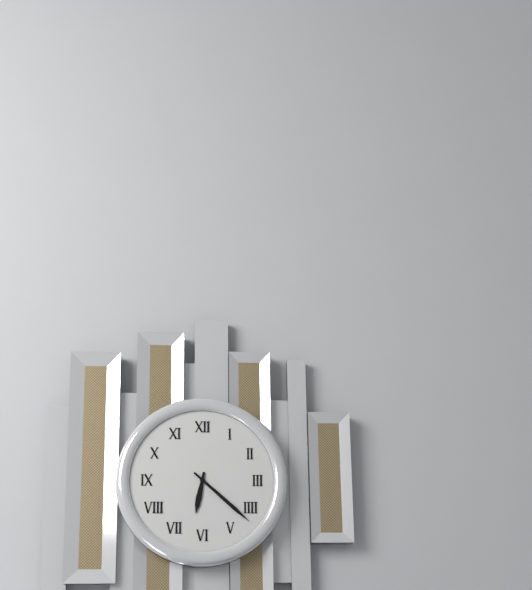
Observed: 6:22
